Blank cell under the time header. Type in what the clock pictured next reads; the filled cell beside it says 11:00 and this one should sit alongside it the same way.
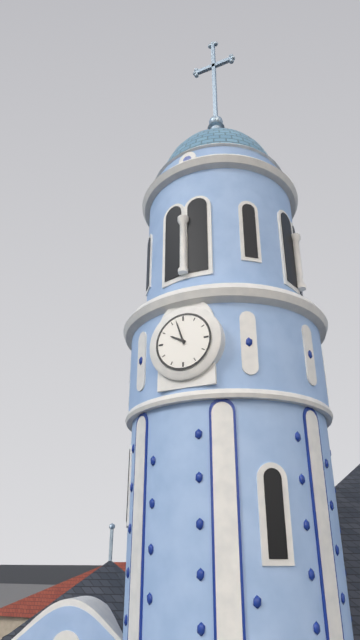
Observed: 9:57
